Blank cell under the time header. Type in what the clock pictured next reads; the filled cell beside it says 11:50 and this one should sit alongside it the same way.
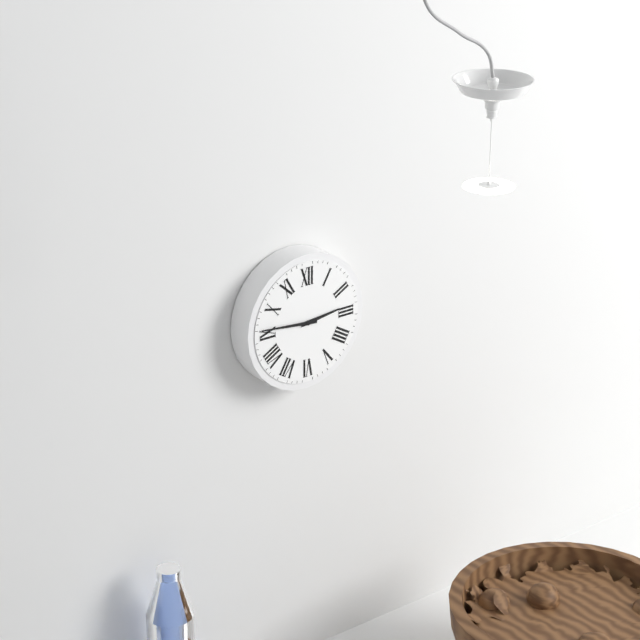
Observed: 2:46
